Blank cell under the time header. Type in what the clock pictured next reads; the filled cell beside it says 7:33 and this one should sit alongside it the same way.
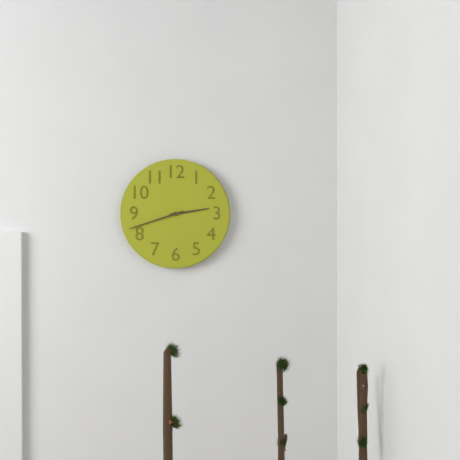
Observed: 2:42
